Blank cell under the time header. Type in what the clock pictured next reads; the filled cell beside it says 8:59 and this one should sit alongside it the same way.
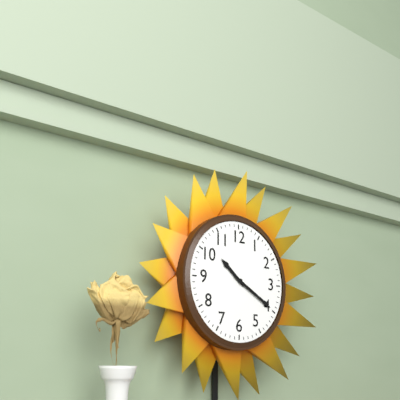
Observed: 10:20
